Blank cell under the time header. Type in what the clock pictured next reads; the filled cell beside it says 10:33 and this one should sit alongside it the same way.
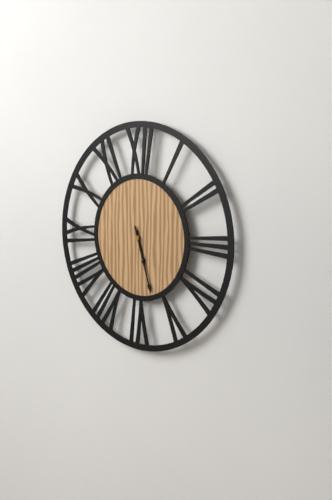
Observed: 5:27
